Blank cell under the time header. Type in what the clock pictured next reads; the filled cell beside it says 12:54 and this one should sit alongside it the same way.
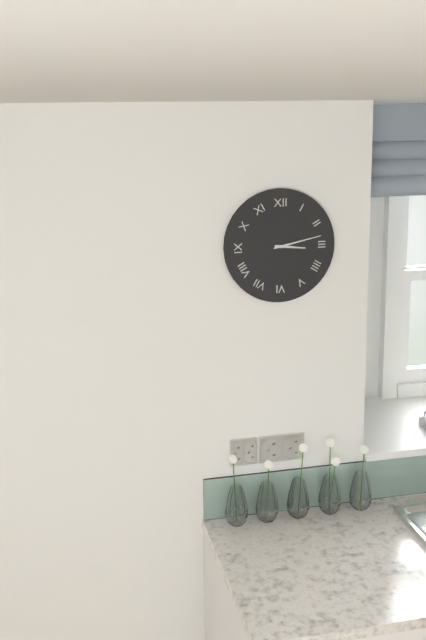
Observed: 3:13
